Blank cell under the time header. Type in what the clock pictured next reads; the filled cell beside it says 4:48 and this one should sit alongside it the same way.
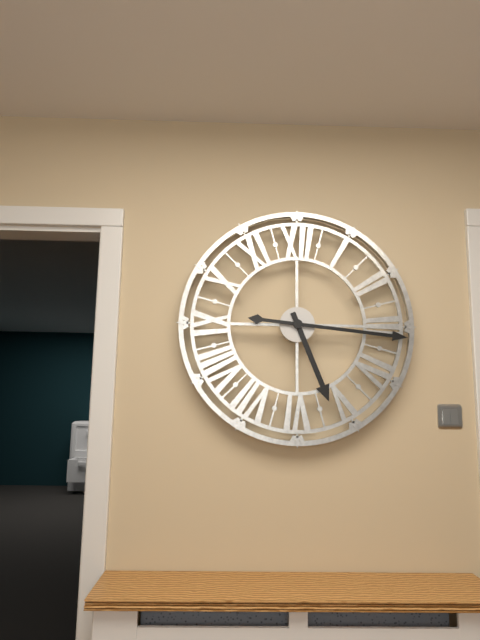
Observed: 5:16
